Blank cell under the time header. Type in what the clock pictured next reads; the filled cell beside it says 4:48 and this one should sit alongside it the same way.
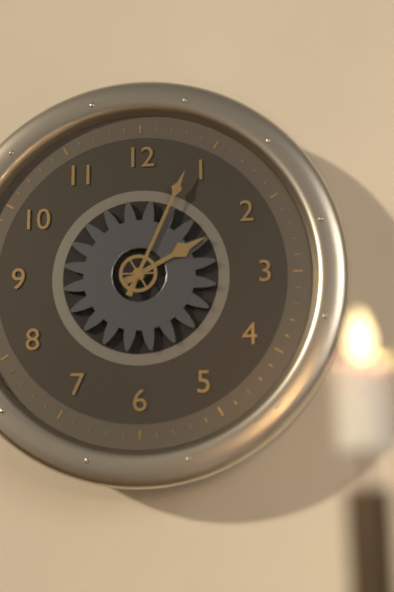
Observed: 2:04
